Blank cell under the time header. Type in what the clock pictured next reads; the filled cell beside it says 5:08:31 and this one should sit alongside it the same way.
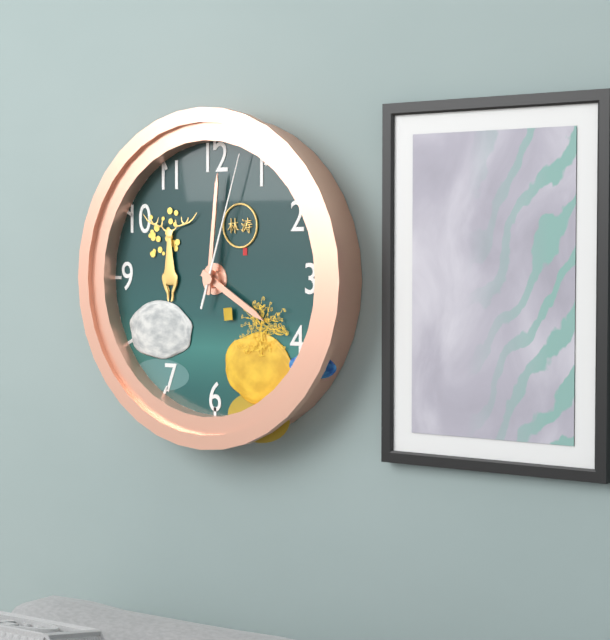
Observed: 4:01:03
